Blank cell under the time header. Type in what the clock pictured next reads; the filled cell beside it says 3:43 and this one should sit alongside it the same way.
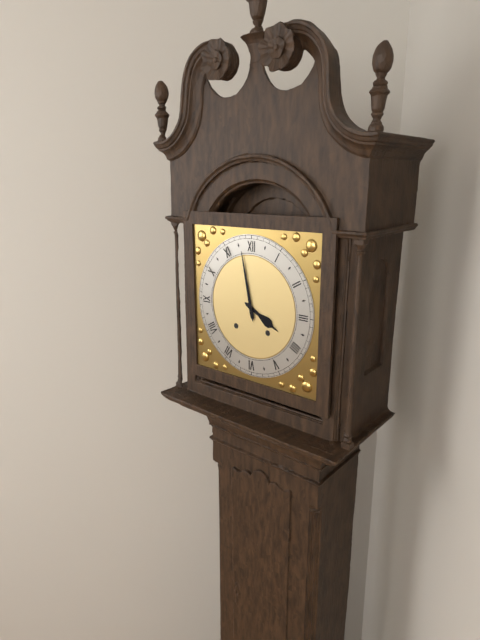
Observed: 3:58
